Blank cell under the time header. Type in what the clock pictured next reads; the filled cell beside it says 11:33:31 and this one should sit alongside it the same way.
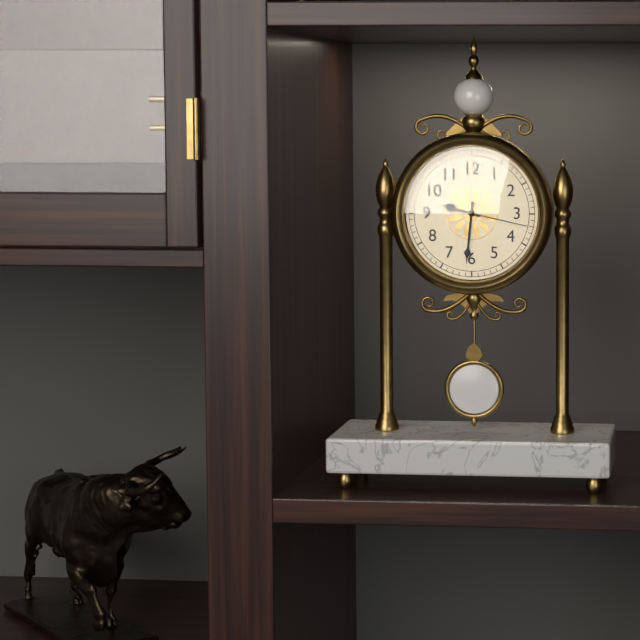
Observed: 9:31:17
